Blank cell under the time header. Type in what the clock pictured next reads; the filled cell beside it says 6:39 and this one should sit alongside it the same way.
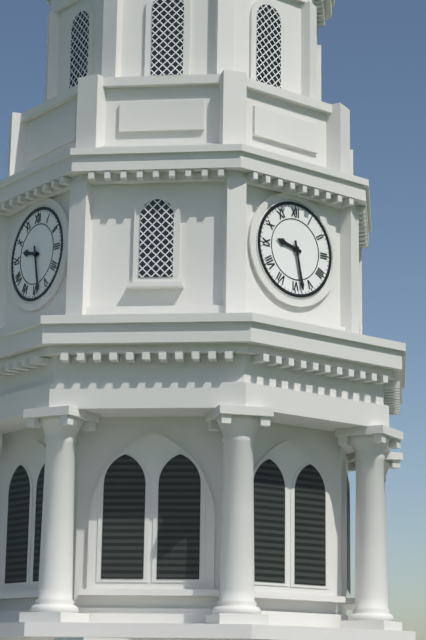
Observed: 9:28
